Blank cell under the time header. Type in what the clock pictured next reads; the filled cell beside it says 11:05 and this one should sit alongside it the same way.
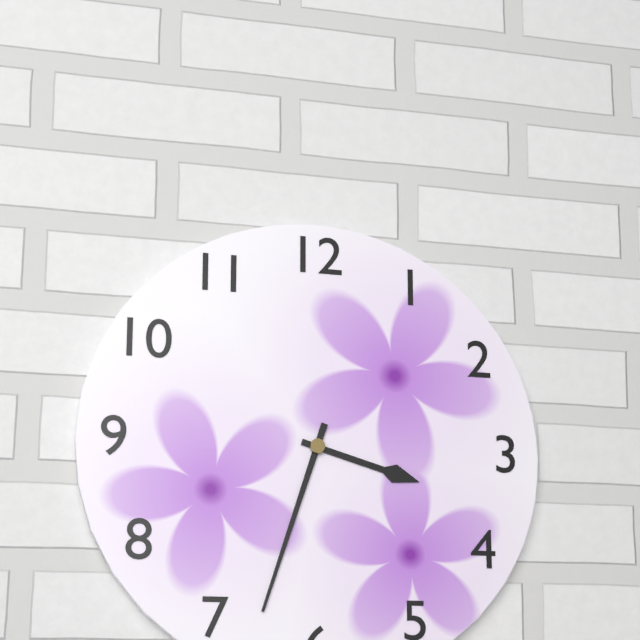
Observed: 3:33
